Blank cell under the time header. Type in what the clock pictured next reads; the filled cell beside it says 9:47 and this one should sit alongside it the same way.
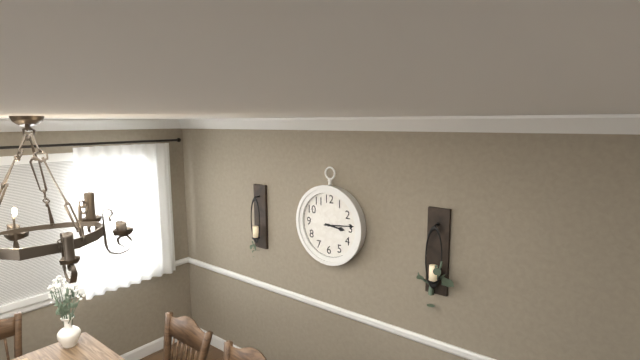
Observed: 3:14
